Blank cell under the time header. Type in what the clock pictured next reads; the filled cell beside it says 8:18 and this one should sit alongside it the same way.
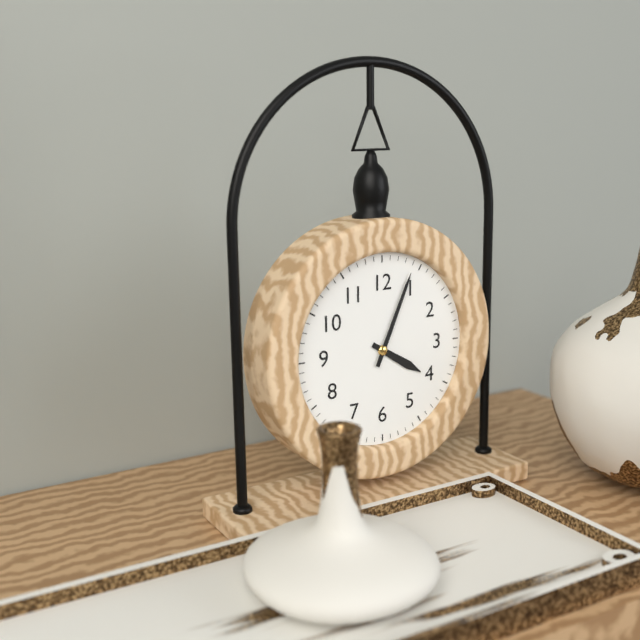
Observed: 4:04
